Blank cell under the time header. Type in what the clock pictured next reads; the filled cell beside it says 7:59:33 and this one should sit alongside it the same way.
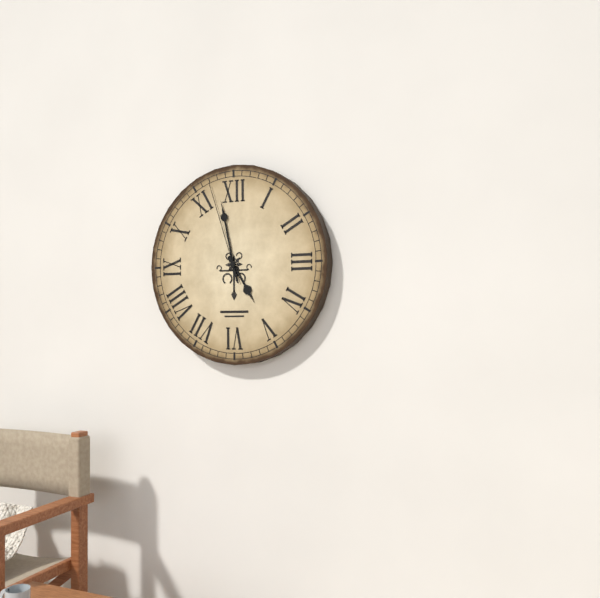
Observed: 4:58:57
